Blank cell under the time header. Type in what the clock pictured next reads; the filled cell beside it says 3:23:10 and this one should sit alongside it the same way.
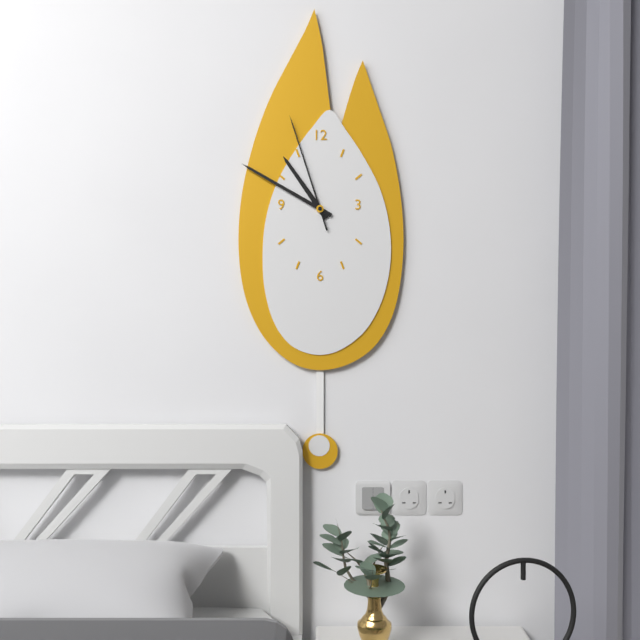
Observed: 10:50:57
